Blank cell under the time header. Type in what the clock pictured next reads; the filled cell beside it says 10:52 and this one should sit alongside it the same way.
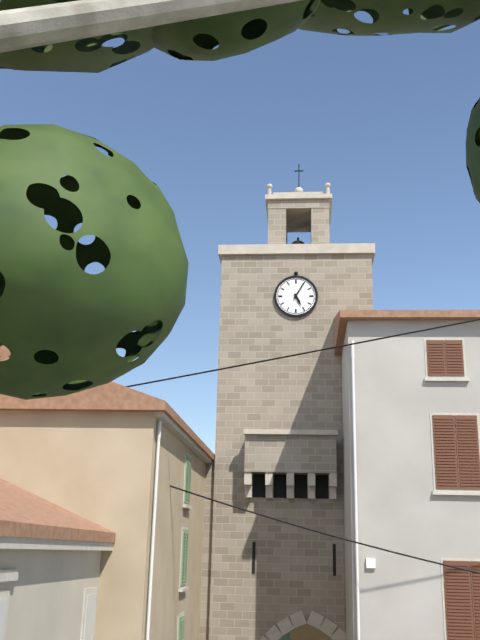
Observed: 5:05
